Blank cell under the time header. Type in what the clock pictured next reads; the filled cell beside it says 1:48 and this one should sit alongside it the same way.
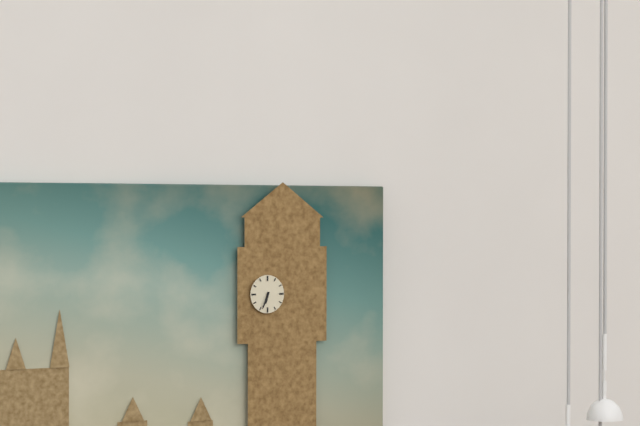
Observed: 6:34
